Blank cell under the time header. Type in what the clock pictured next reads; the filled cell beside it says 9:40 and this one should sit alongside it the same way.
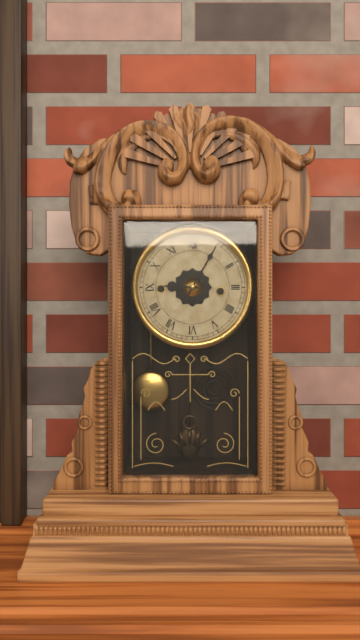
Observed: 9:05
